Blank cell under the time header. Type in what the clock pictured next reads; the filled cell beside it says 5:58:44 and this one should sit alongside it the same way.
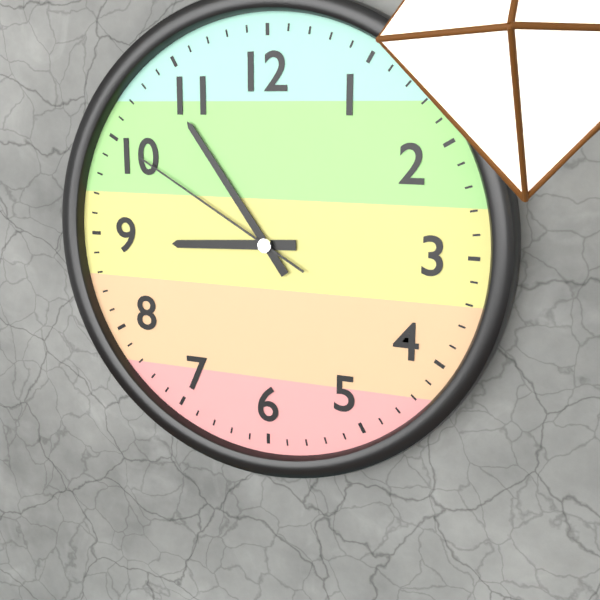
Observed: 8:54:50
